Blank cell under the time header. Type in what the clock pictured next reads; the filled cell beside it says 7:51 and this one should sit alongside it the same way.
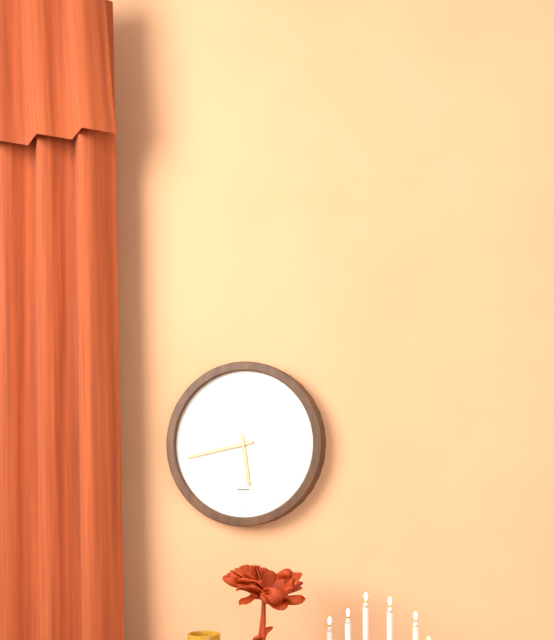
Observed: 5:43
